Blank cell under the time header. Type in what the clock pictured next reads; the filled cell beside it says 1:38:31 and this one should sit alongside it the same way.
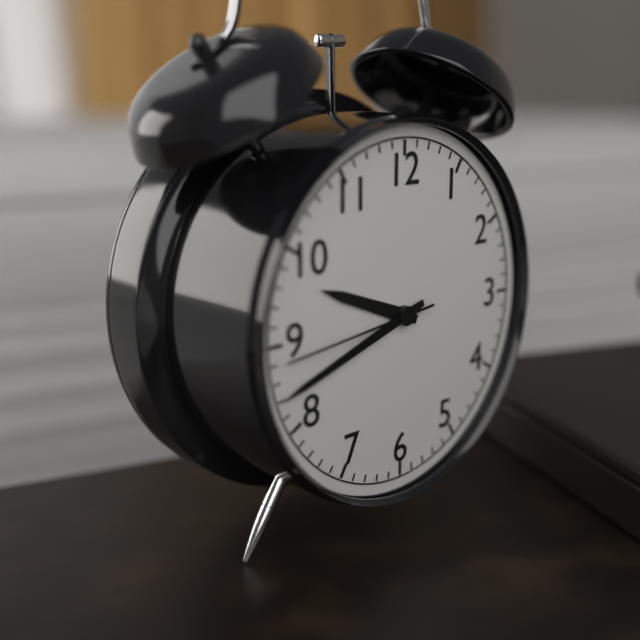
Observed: 9:42:44
